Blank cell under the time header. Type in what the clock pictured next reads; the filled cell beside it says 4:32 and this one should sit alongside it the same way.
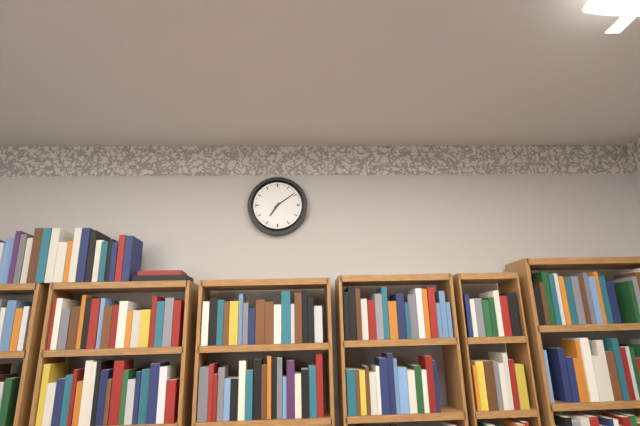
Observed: 7:09
